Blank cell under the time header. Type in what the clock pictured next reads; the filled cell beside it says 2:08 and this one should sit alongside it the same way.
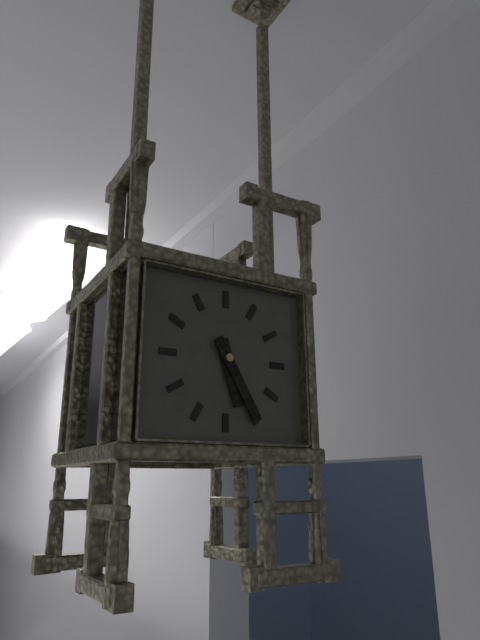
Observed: 5:25
